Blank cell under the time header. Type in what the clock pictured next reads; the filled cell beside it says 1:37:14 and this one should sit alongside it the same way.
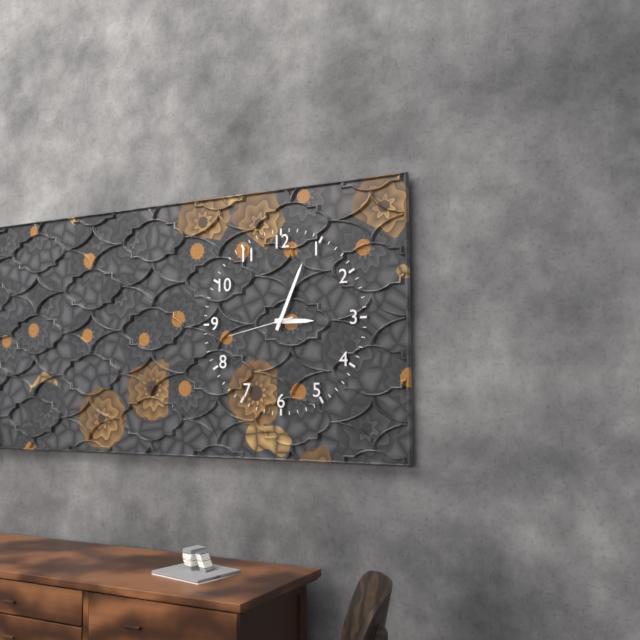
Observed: 3:04:43
